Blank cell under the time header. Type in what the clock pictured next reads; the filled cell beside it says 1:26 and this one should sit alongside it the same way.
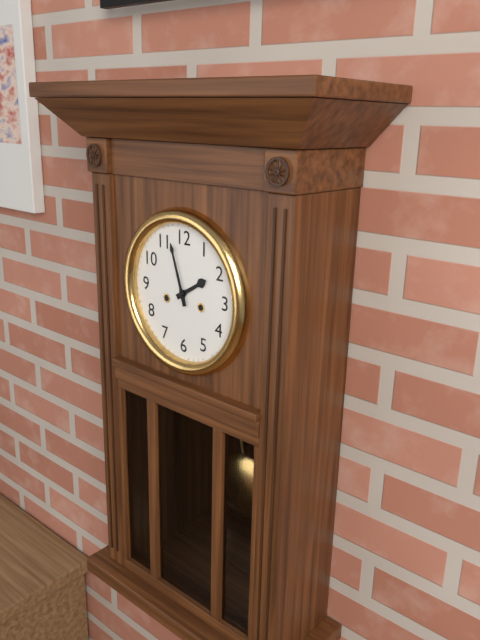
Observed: 1:57
